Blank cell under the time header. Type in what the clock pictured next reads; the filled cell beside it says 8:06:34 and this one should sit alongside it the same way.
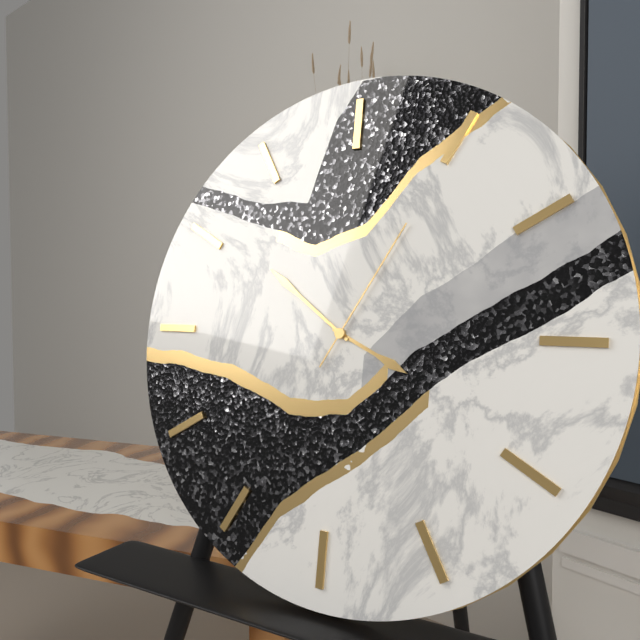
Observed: 3:51:05
